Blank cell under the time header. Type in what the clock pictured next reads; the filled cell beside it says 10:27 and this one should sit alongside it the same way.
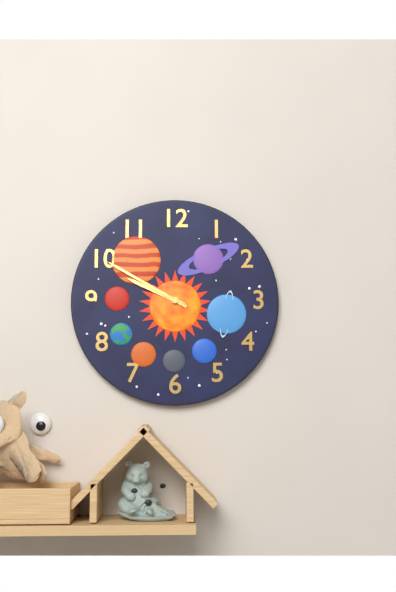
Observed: 9:50
